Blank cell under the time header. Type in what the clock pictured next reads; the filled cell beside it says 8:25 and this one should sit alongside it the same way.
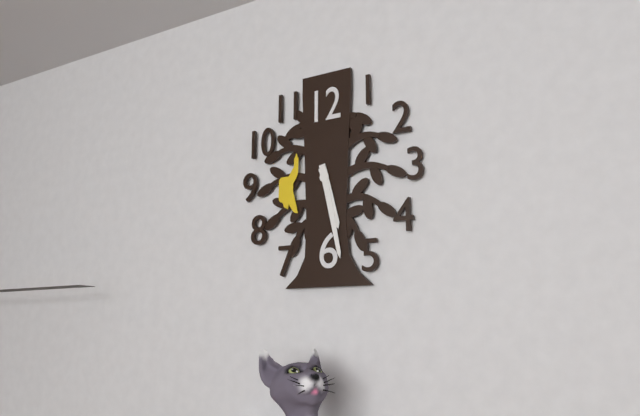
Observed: 5:28
